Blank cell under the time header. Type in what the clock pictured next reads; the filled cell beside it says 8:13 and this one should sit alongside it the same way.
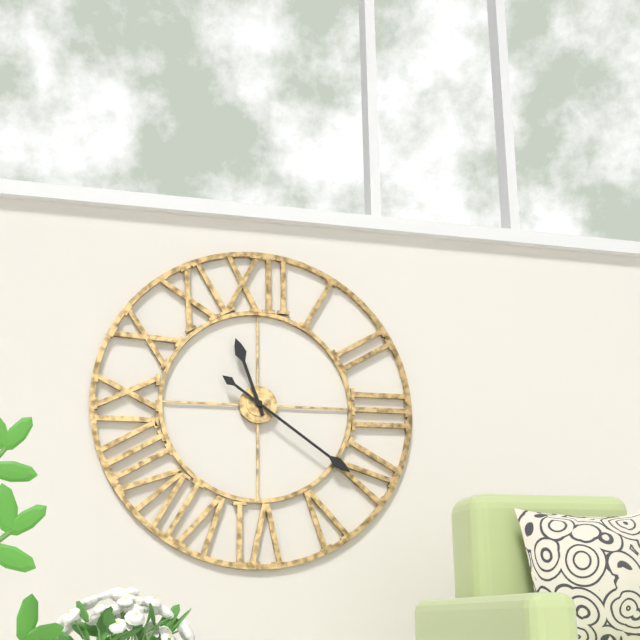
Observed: 11:21
